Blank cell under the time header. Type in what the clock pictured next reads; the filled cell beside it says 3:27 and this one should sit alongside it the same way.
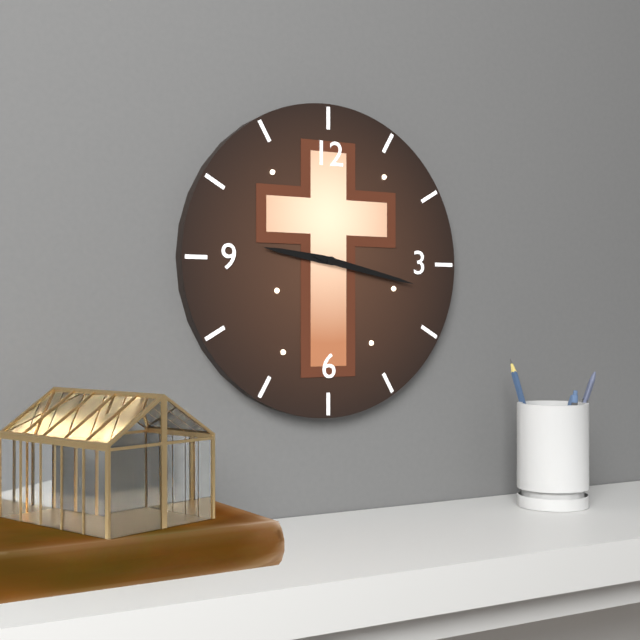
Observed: 9:17
